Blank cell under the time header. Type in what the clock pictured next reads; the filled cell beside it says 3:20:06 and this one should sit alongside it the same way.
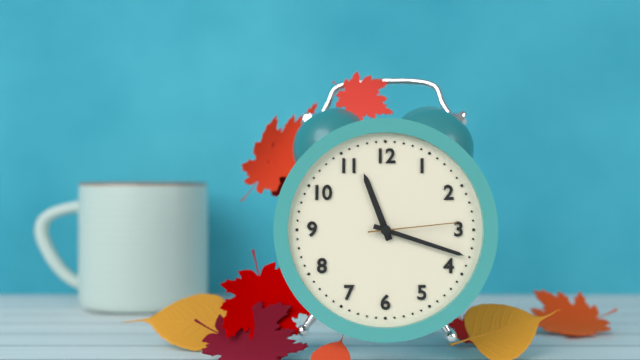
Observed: 11:18:14
